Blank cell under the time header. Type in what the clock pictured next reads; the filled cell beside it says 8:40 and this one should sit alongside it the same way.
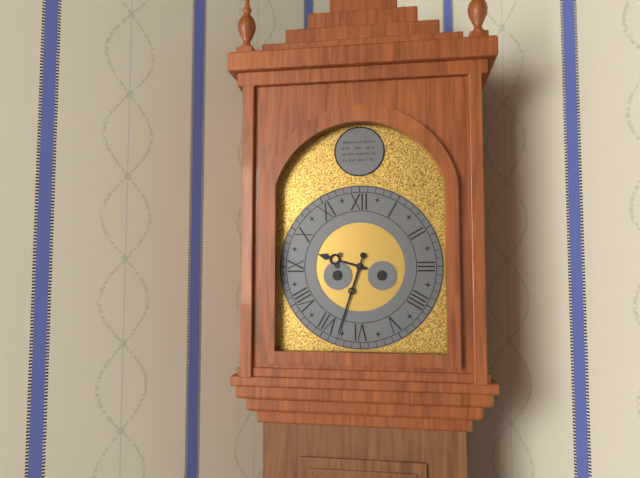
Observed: 9:33
